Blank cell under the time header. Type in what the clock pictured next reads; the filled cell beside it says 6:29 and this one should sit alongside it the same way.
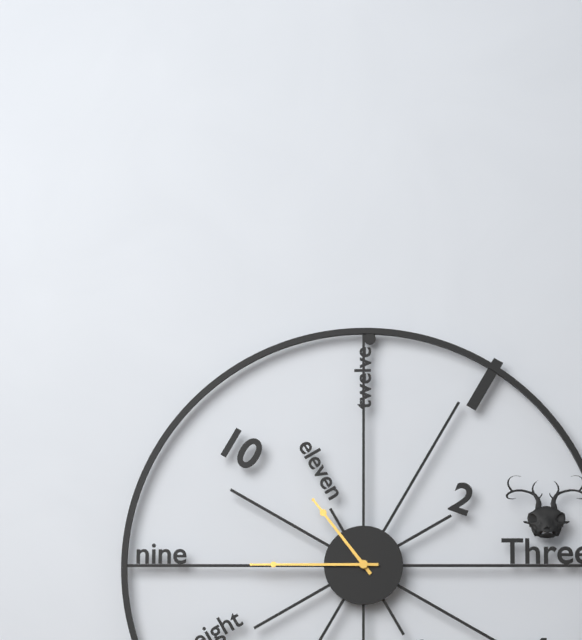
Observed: 10:45
